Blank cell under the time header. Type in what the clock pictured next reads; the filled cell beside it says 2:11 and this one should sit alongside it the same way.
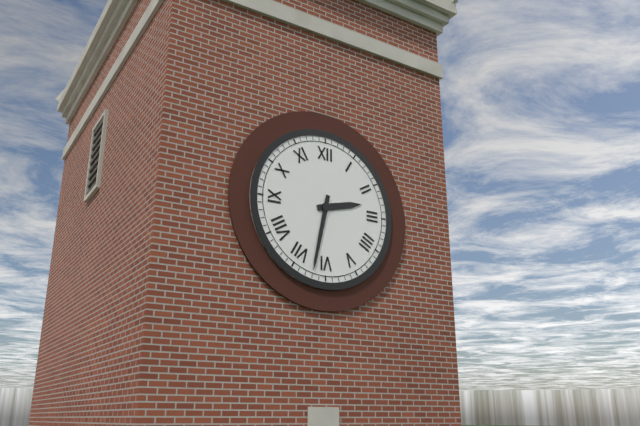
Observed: 2:32
